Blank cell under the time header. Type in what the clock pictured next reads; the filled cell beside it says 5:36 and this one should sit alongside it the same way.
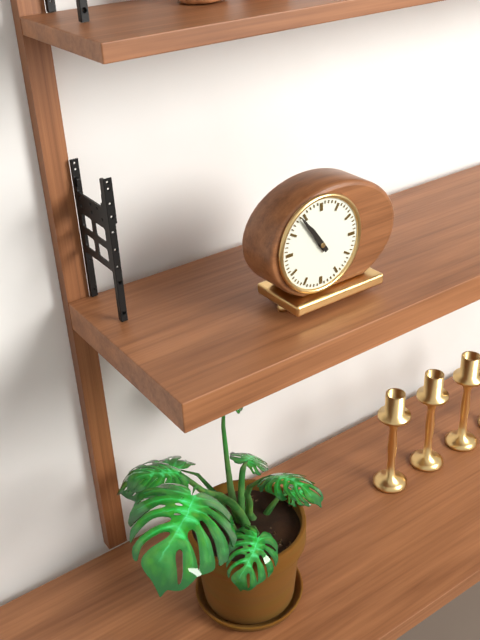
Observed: 10:54
